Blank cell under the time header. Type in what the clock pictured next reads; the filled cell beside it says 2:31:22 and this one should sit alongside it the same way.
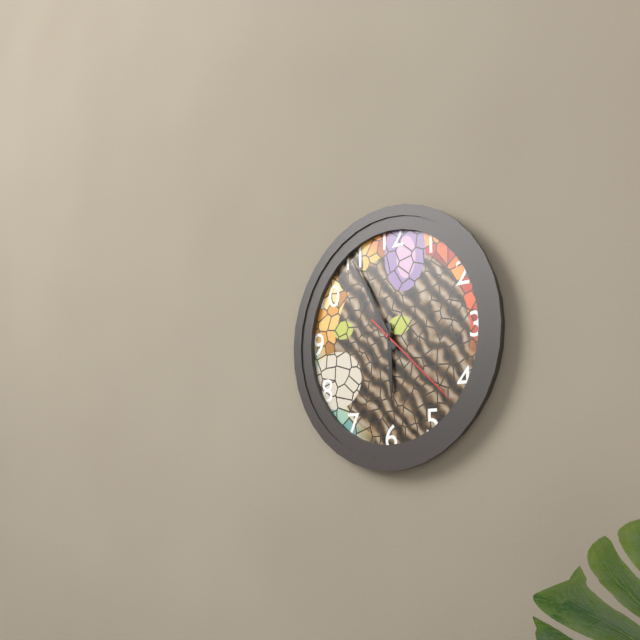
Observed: 5:55:22
